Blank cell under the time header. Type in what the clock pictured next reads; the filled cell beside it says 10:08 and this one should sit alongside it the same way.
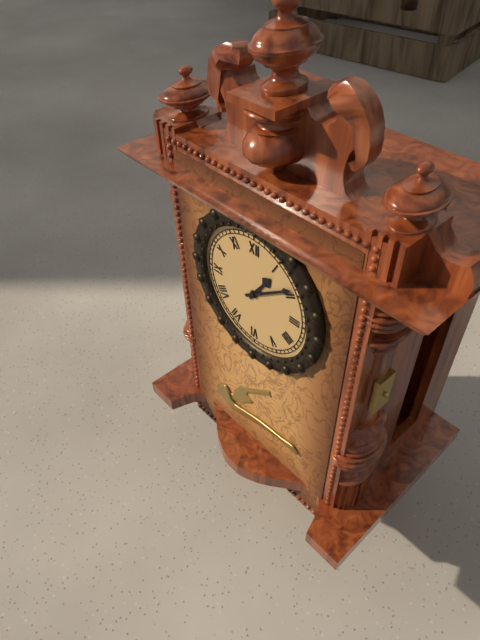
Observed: 1:09
